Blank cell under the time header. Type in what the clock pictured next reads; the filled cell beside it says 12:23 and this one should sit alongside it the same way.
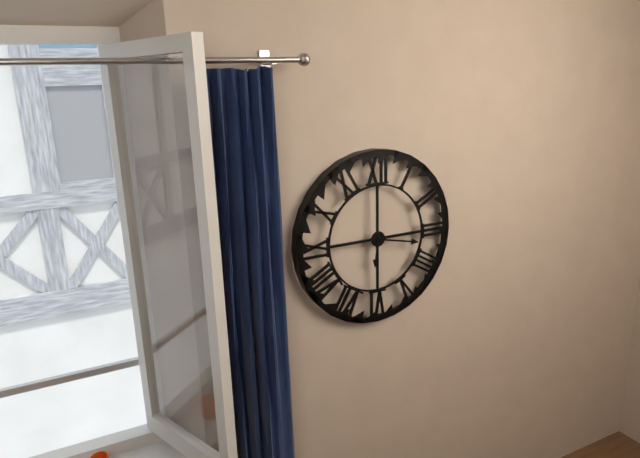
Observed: 6:17
